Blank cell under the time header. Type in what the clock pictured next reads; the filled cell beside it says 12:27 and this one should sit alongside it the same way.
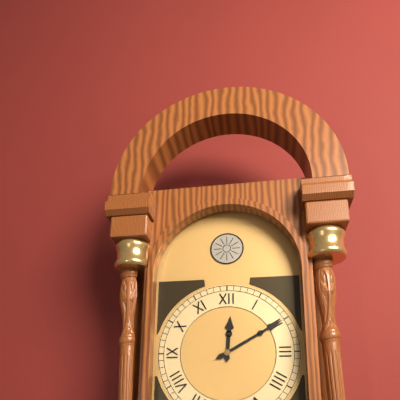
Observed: 12:10
